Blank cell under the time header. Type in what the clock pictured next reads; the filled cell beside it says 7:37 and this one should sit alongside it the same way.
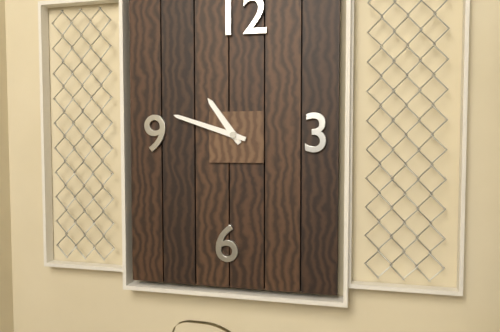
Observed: 10:48
